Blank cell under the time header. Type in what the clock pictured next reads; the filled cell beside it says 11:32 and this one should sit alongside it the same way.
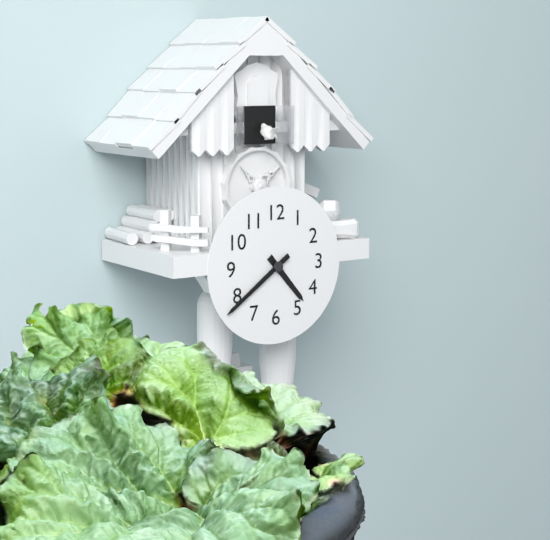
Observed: 4:39
